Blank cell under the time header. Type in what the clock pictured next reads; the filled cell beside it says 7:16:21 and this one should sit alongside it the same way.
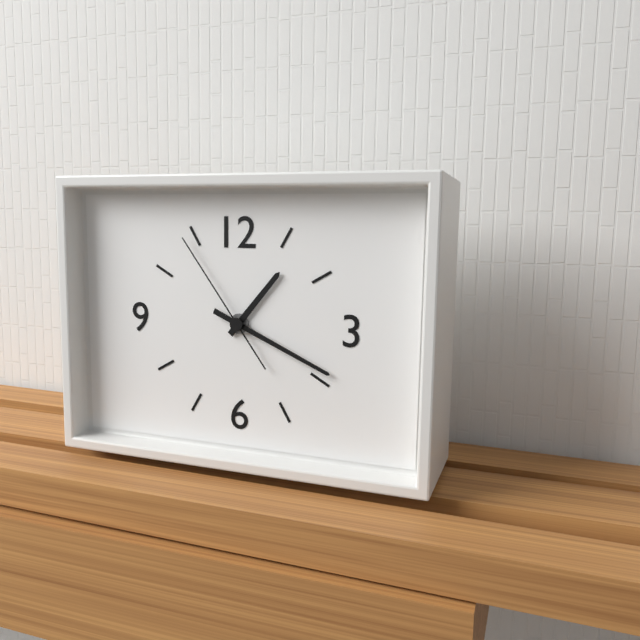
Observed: 1:19:54
